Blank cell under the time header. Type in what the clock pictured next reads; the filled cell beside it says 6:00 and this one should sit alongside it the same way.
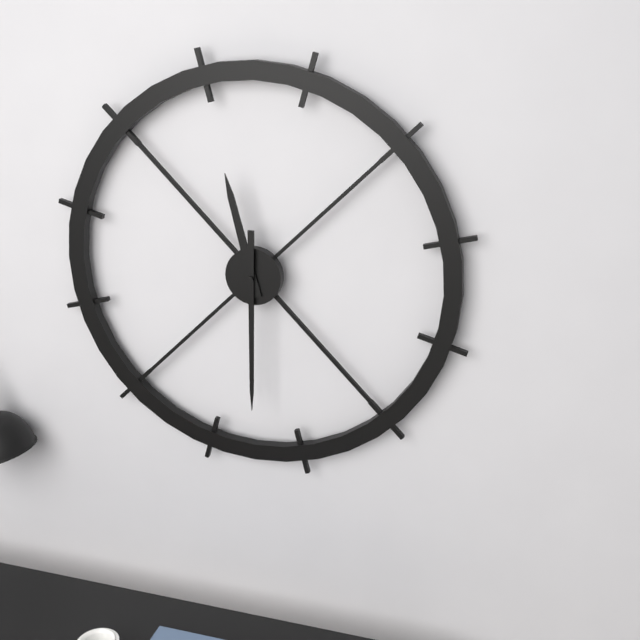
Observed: 11:30
